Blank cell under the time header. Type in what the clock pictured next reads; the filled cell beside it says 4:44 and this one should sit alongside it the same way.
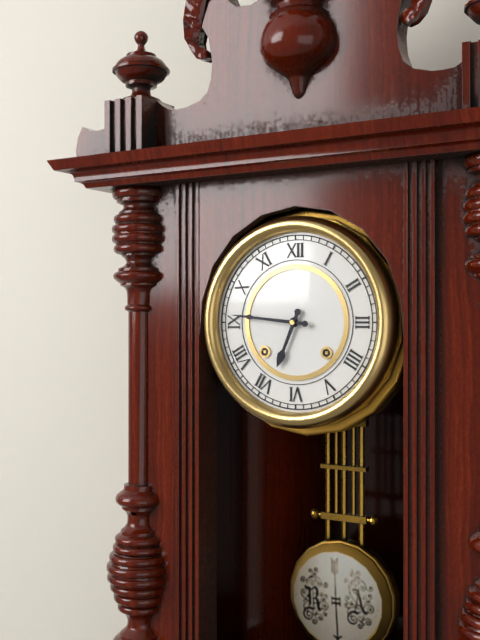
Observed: 6:46
